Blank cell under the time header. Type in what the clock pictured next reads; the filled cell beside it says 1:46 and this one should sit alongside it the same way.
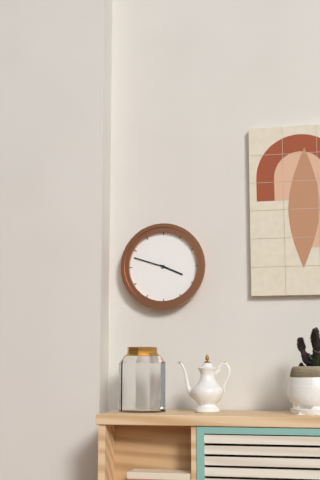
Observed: 3:48
